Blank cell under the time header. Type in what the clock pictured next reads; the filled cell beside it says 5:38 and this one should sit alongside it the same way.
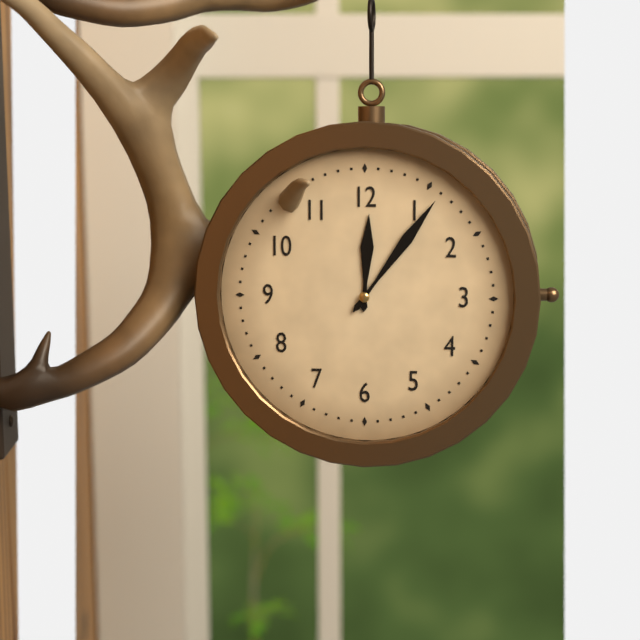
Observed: 12:06
